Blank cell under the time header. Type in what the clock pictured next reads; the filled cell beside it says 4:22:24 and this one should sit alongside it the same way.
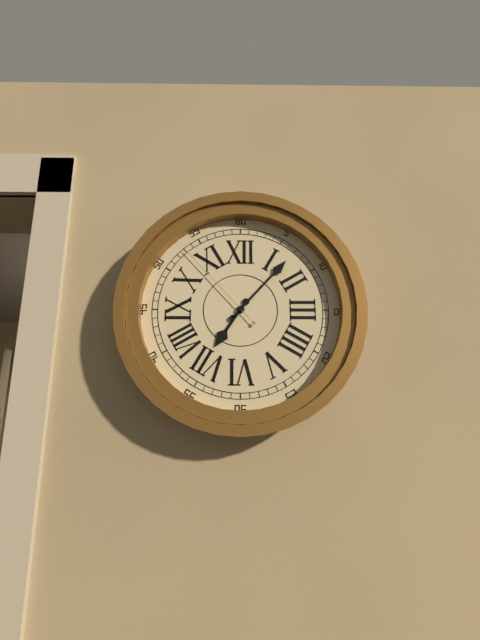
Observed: 7:07:53
